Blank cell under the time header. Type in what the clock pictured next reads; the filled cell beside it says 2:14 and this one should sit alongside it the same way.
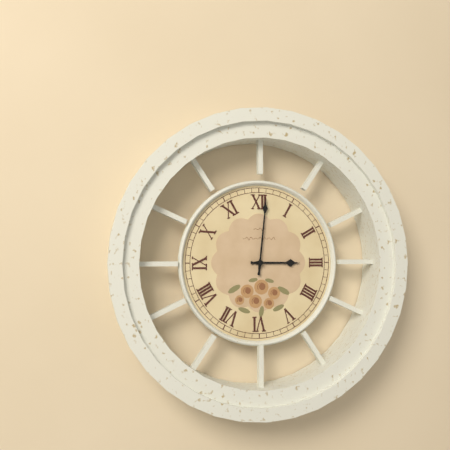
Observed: 3:01
